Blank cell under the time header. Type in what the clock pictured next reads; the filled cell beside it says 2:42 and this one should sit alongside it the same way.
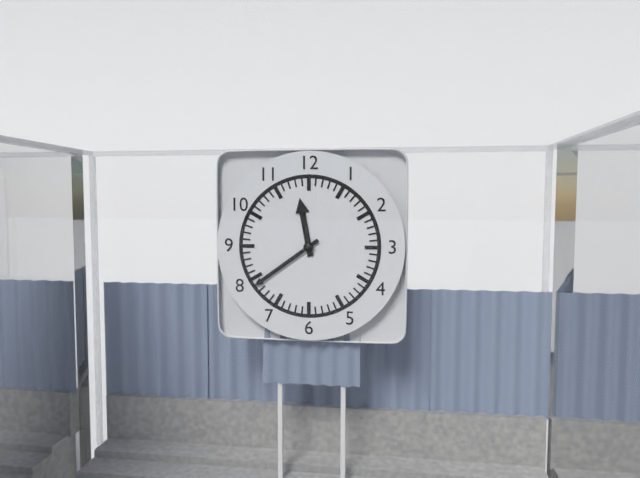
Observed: 11:39
